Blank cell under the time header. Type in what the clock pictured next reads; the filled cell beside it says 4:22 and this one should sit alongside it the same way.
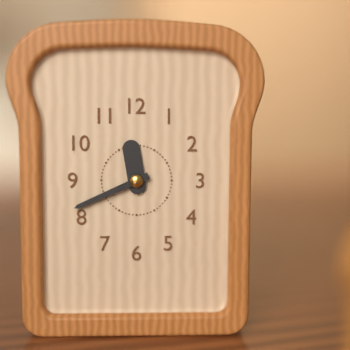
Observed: 11:41
